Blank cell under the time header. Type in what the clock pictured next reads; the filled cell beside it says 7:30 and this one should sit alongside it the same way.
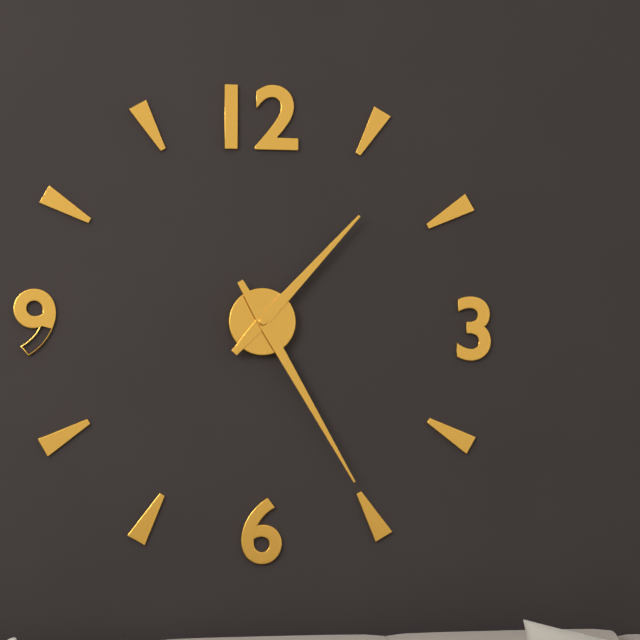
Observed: 1:25
